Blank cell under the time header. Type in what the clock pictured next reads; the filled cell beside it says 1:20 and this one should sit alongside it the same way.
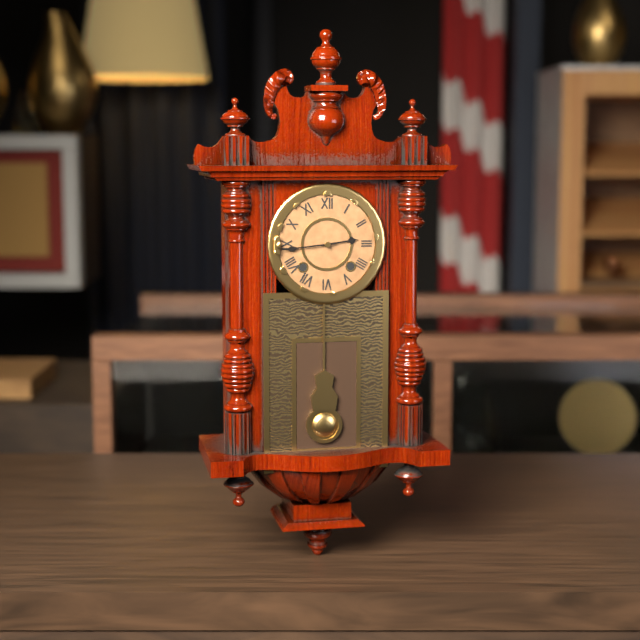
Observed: 2:44
